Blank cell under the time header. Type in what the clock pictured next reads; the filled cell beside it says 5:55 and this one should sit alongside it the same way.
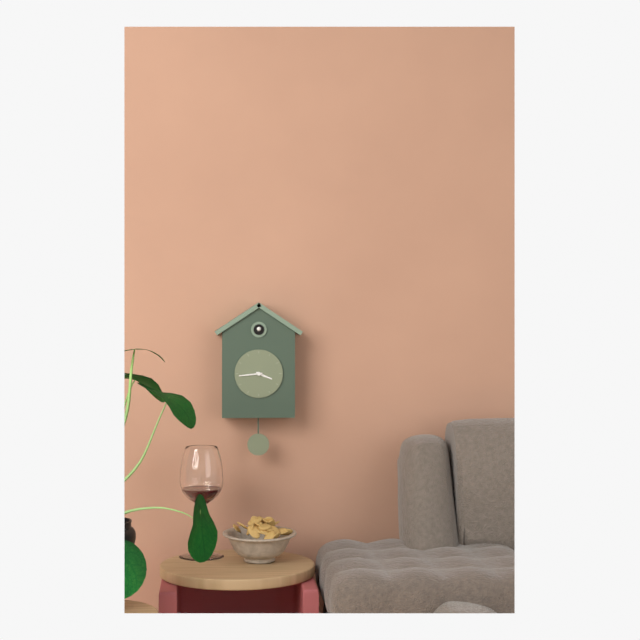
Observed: 3:44
